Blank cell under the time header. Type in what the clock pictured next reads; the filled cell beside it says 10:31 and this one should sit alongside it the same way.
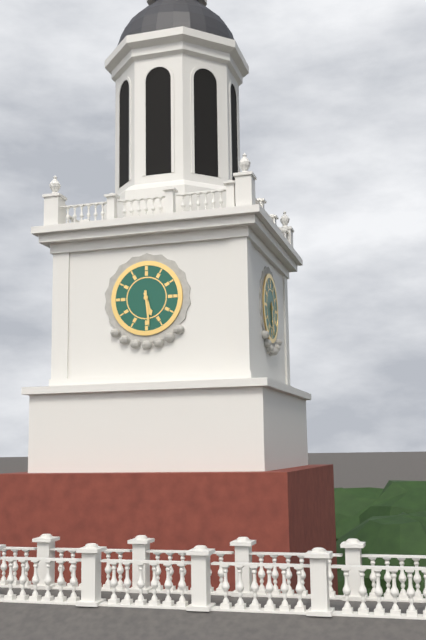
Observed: 5:29
